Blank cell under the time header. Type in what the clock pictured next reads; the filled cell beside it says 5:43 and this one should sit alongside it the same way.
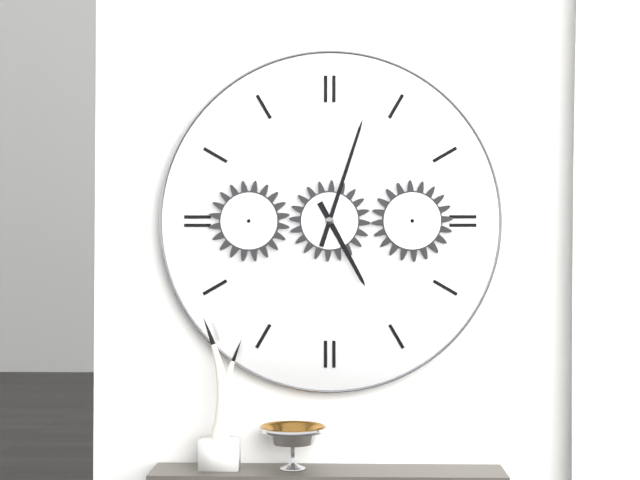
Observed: 5:03
